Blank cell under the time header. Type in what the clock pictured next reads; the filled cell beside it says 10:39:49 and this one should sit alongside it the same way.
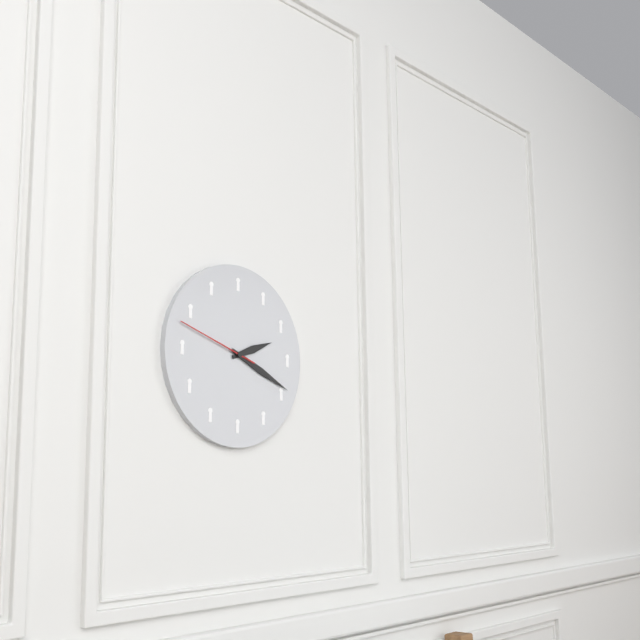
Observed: 2:19:48
